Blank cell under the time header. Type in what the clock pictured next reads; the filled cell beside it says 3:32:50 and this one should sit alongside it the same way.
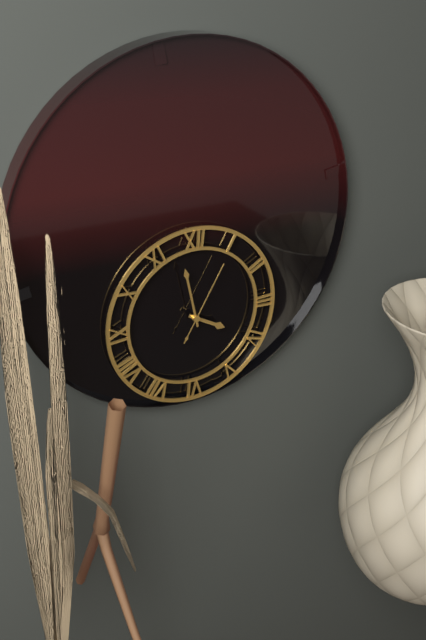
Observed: 3:58:05
